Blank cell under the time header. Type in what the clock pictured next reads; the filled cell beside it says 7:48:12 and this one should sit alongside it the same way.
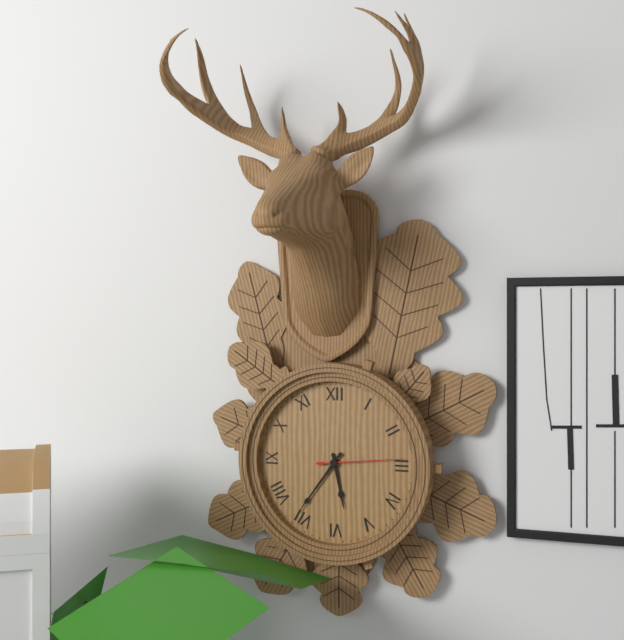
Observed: 5:36:14
